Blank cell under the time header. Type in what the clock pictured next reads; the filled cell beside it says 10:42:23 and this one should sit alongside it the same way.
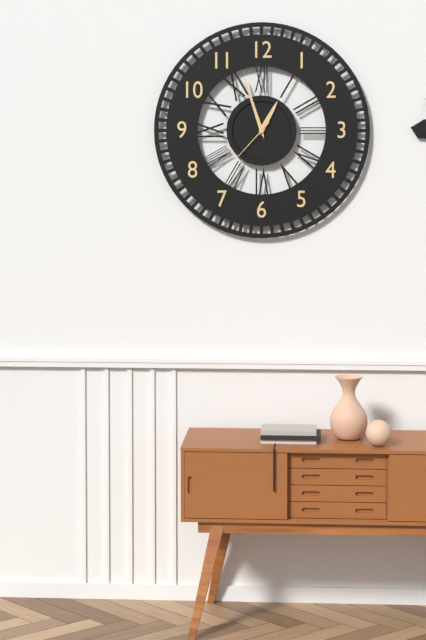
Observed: 12:57:37
